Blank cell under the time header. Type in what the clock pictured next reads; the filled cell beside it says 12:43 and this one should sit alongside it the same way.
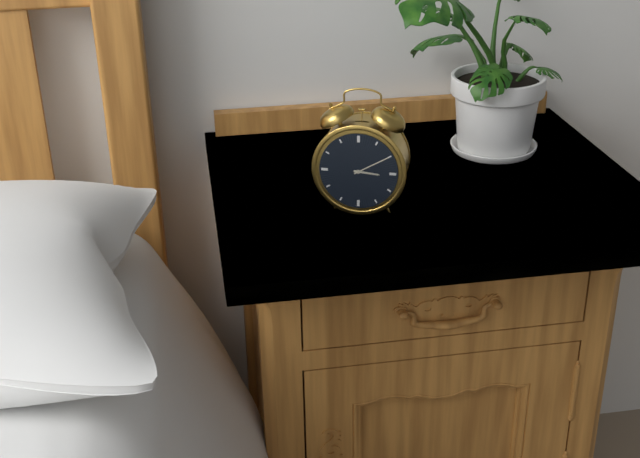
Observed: 3:10
